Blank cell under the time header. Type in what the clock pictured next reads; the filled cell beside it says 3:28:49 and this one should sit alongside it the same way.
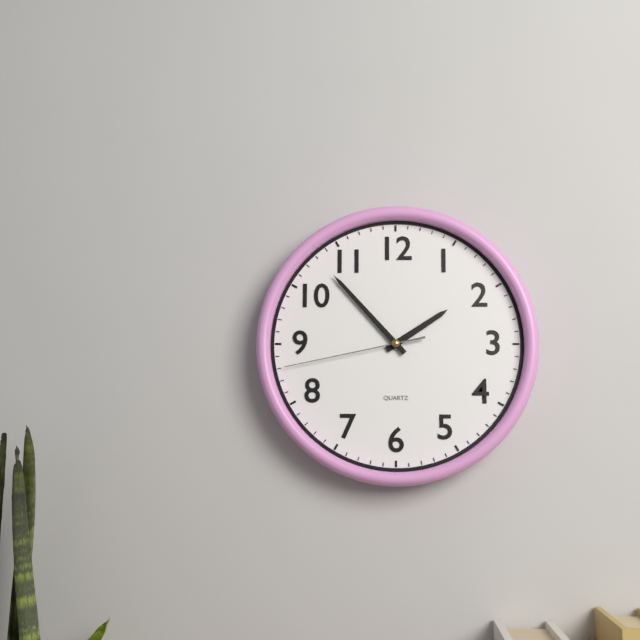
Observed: 1:53:43
